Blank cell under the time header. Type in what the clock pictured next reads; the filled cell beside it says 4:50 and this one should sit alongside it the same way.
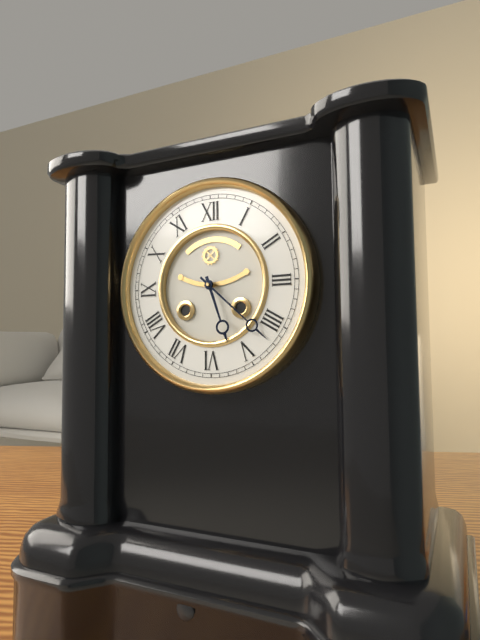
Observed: 5:22
